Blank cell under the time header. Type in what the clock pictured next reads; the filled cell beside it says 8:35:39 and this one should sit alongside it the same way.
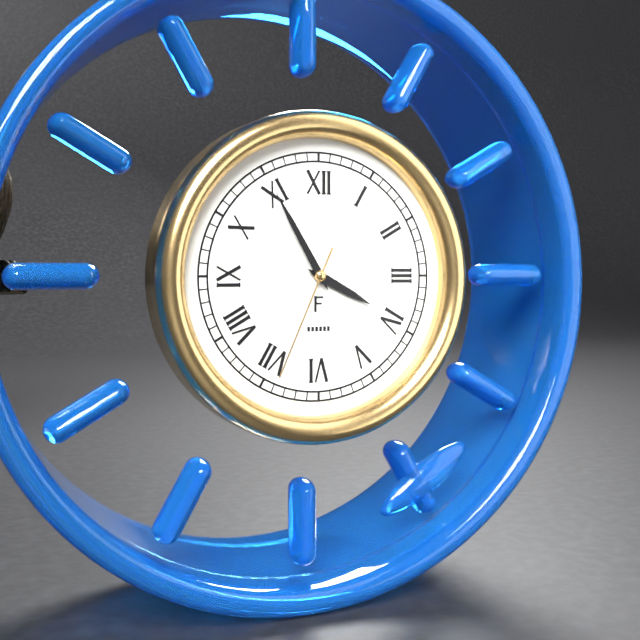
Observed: 3:55:34
